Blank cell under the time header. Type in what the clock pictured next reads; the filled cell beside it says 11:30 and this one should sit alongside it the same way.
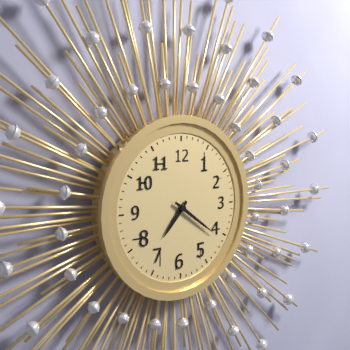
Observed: 7:21
